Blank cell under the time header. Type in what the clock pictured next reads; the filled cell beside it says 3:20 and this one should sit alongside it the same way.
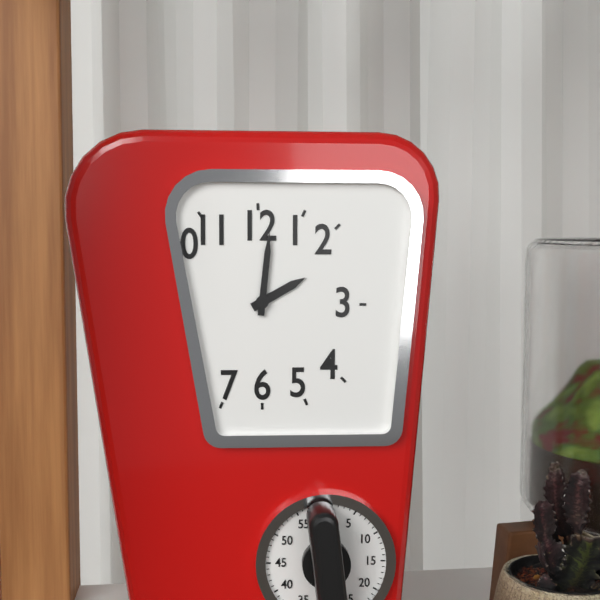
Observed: 2:01
